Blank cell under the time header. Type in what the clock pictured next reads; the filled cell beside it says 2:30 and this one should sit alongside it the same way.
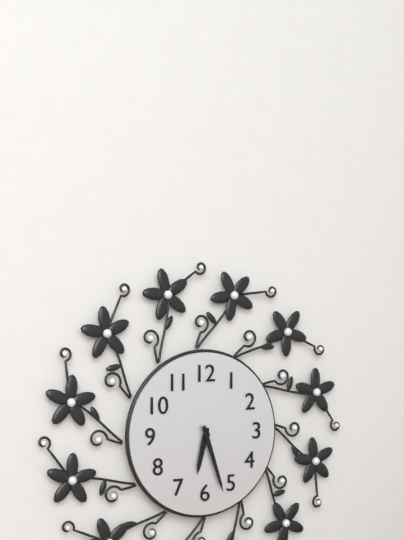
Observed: 6:27
